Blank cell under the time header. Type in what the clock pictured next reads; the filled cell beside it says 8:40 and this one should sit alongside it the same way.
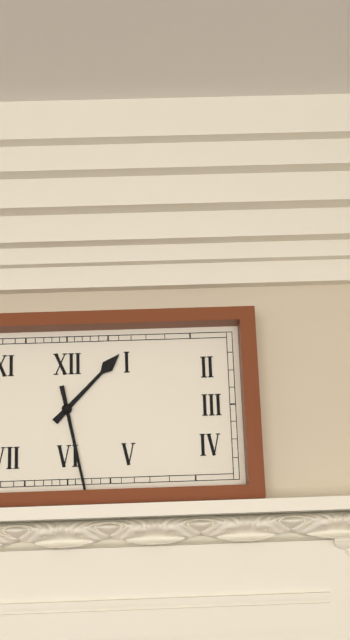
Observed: 1:28
